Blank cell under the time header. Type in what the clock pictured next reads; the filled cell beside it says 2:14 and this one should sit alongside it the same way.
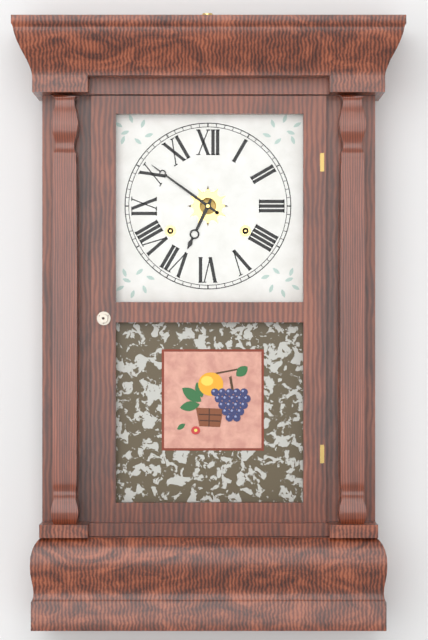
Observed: 6:51
